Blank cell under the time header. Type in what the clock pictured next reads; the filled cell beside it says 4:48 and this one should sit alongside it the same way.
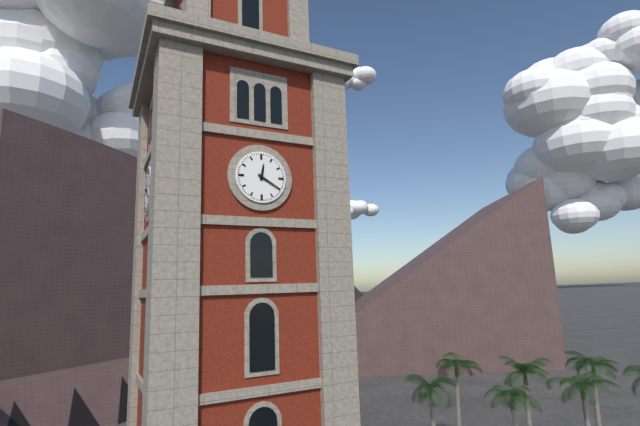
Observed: 12:20
